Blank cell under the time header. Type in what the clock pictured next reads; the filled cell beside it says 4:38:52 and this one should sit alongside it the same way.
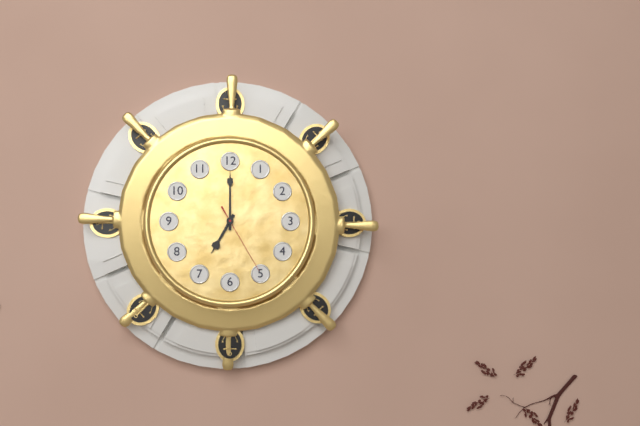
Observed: 7:00:25
